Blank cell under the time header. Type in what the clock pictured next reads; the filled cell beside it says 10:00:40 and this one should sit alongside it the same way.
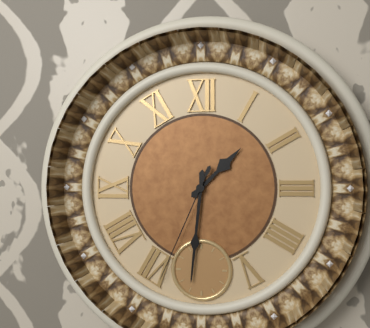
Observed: 1:31:34
